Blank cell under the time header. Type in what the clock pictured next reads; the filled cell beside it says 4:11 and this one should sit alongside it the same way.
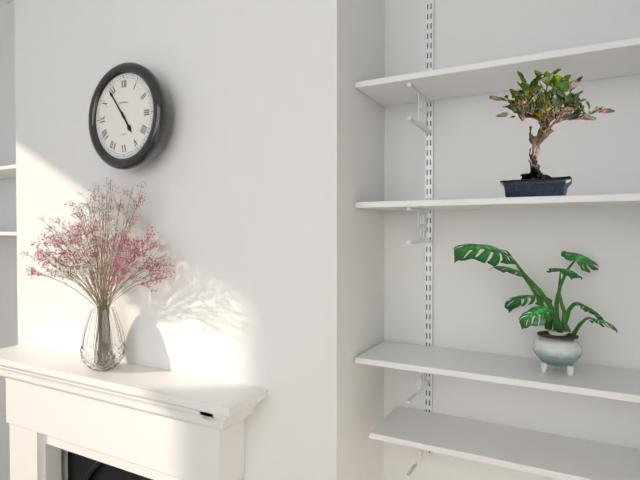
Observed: 4:54
